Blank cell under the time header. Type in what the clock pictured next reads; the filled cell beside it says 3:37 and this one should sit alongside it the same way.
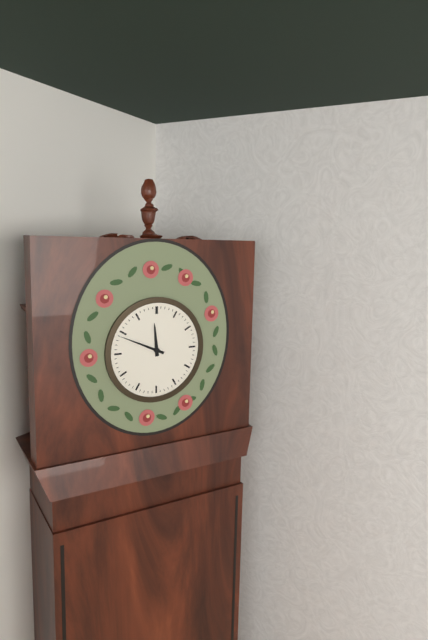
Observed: 11:49
